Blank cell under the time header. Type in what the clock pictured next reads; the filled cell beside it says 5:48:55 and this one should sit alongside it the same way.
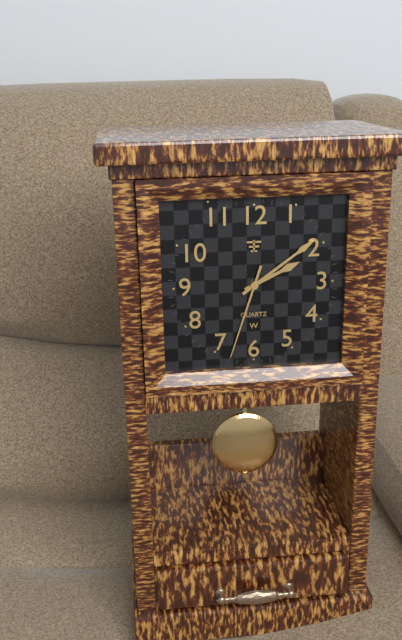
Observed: 2:09:33
